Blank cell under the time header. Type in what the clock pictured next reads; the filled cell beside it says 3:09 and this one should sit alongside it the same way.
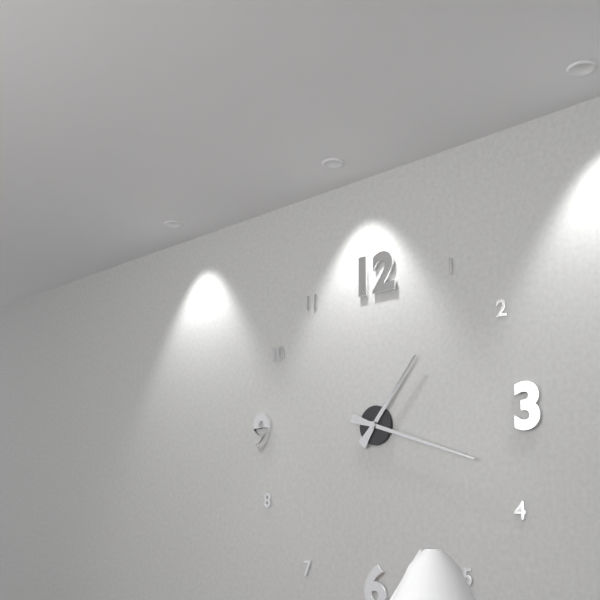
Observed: 1:18
